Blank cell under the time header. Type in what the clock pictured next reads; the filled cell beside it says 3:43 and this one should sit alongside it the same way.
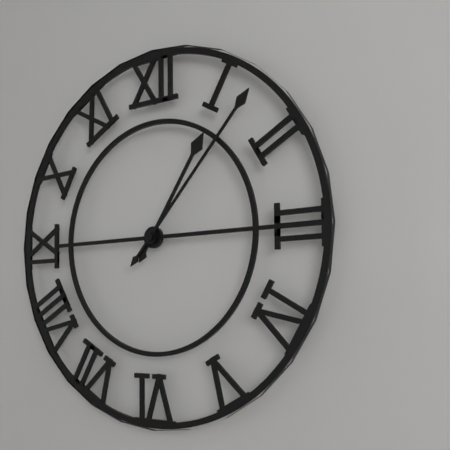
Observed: 1:07
